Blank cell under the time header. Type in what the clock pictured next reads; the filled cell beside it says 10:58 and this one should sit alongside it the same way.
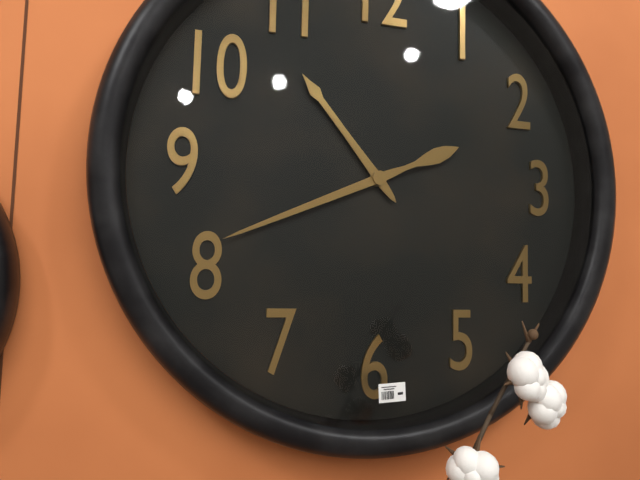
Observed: 10:41
